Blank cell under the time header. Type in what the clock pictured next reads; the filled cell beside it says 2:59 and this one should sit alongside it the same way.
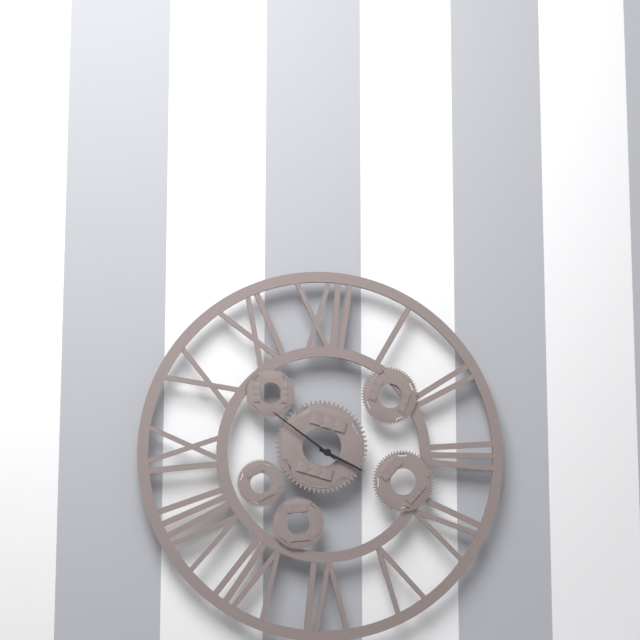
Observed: 3:51
